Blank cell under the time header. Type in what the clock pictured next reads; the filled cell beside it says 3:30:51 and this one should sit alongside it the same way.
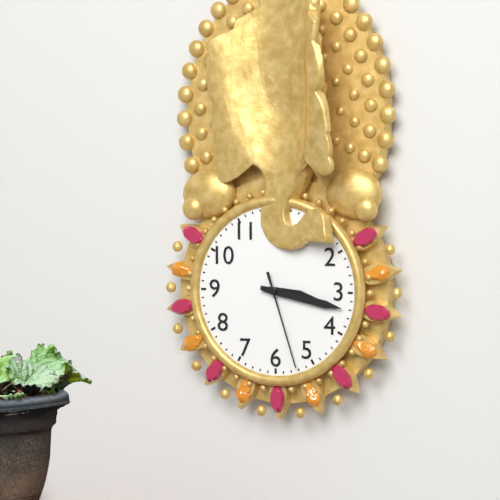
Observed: 3:17:27
